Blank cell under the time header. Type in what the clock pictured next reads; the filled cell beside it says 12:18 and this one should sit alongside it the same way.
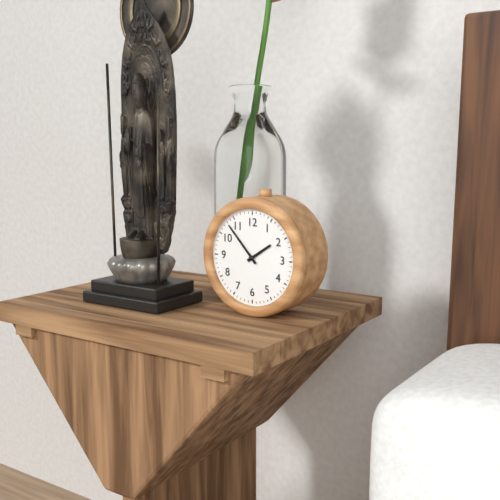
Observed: 1:53
